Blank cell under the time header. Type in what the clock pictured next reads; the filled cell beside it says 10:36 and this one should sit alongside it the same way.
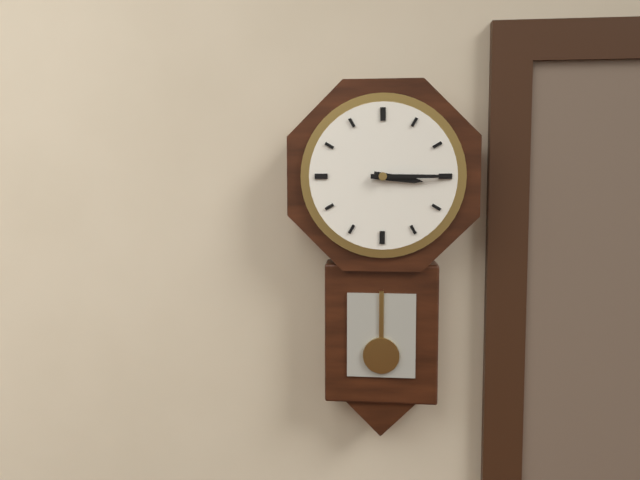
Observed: 3:15
